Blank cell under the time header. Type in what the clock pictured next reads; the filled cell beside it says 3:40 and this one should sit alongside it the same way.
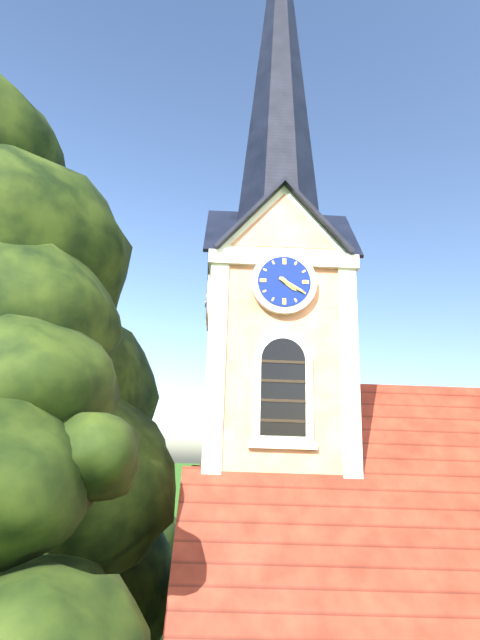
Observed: 4:20
